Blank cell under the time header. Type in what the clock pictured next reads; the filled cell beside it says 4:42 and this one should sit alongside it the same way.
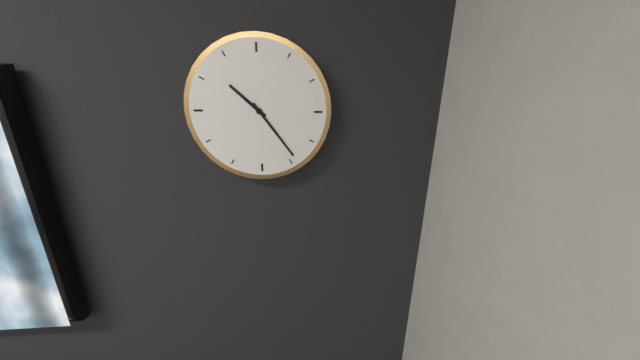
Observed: 10:24
